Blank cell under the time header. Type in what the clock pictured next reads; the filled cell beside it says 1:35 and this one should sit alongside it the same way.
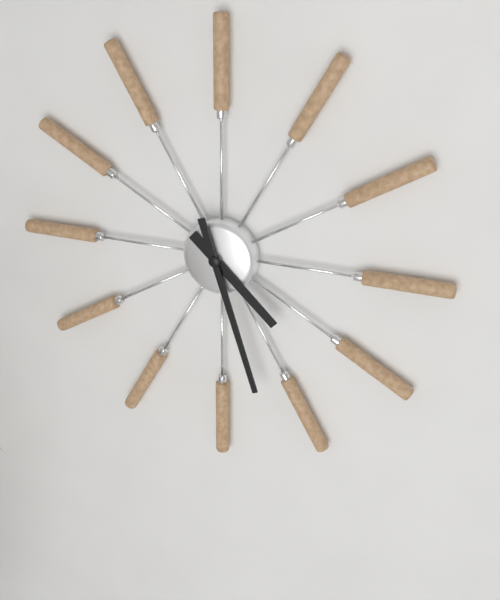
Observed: 4:27
